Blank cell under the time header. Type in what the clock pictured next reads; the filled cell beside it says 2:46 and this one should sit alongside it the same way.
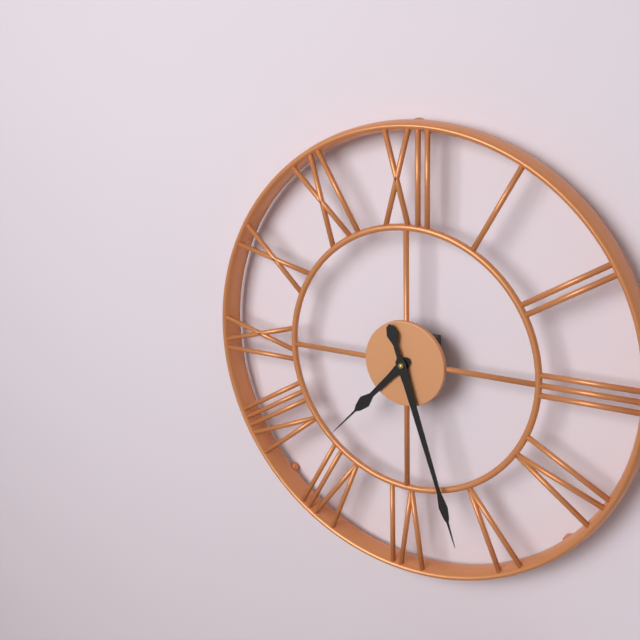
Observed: 7:27
